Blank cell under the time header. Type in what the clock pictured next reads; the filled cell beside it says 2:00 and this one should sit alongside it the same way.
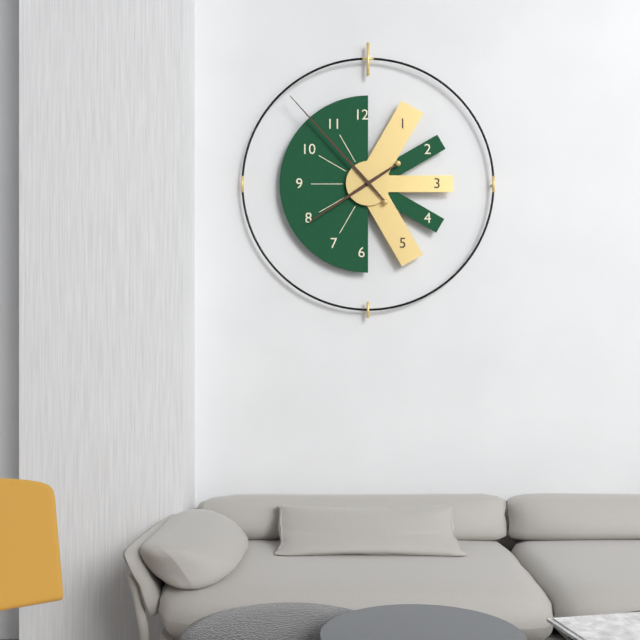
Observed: 7:53
